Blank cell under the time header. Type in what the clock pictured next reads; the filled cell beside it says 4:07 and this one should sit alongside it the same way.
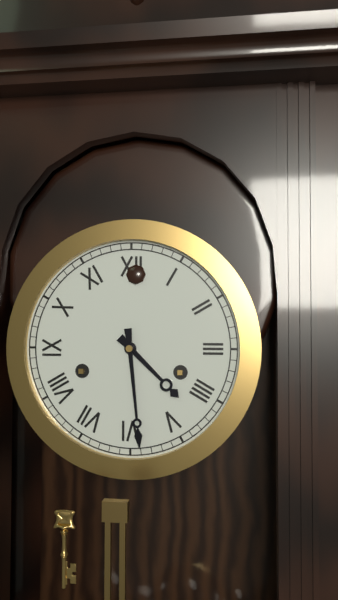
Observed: 4:29
